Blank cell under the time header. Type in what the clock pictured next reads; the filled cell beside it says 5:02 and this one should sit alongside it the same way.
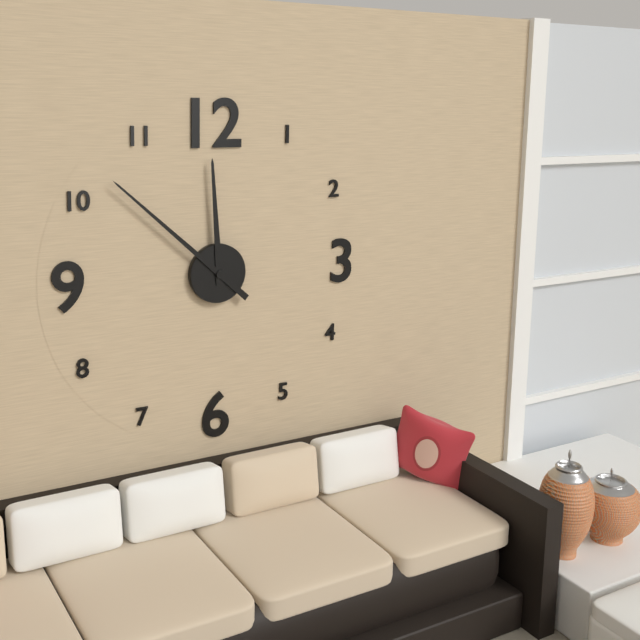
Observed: 11:52
